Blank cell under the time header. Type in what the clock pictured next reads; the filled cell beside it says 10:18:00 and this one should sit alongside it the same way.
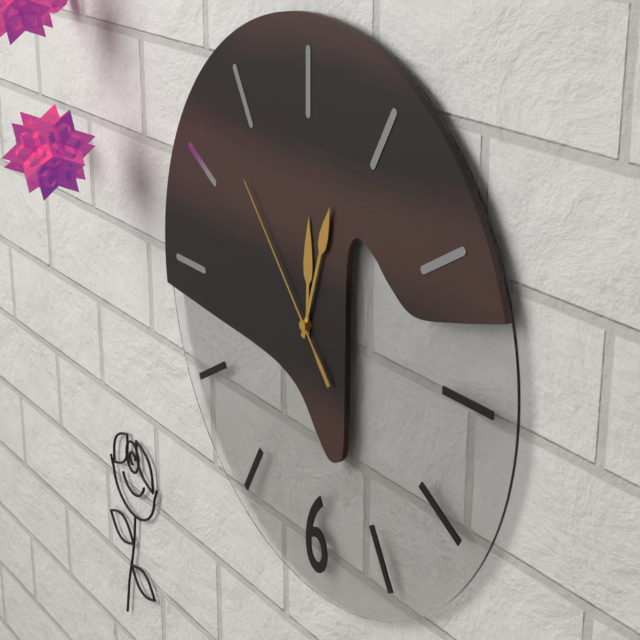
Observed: 12:03:53
